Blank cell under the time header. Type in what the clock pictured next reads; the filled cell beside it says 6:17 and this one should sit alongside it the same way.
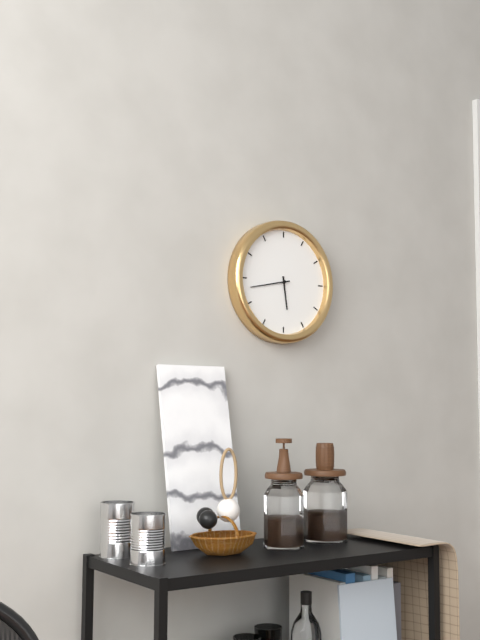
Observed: 5:43
